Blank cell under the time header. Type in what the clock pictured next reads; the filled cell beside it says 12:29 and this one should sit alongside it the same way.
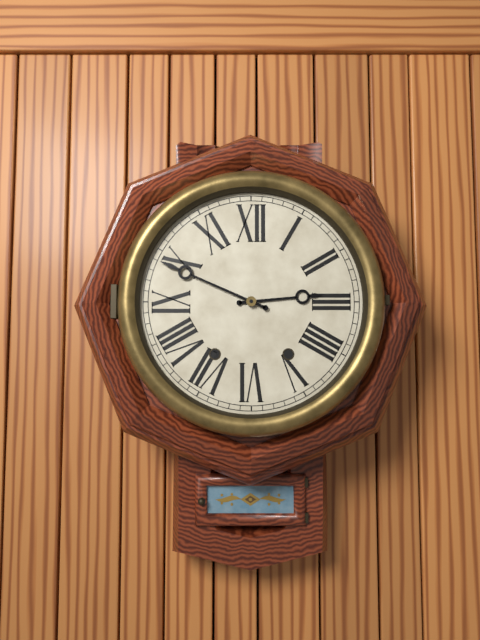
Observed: 2:49
